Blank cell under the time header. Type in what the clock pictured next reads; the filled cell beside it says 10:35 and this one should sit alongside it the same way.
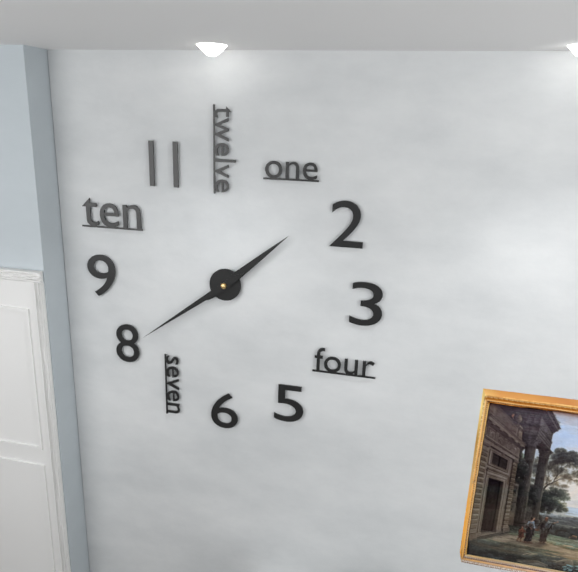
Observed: 1:39
